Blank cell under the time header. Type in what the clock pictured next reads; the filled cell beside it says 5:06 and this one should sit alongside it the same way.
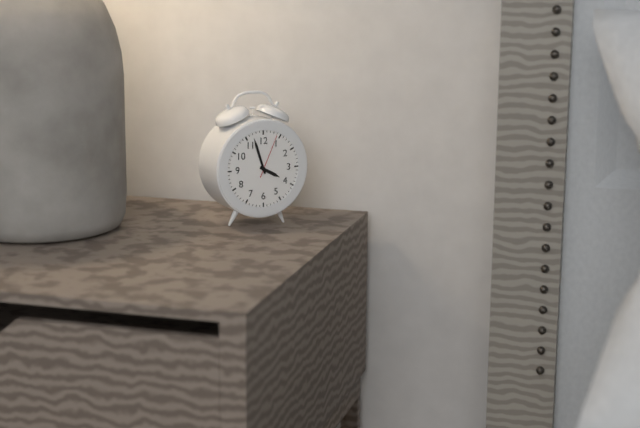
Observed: 3:57
